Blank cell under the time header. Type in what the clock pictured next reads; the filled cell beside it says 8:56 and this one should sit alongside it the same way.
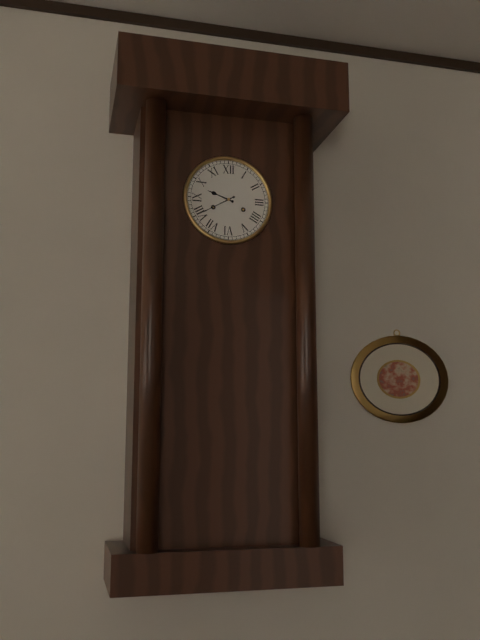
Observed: 9:40
